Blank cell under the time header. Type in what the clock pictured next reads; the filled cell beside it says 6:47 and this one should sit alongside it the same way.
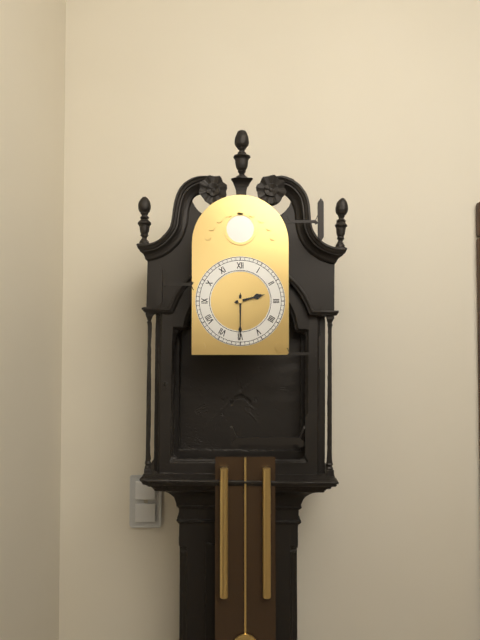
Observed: 2:30
